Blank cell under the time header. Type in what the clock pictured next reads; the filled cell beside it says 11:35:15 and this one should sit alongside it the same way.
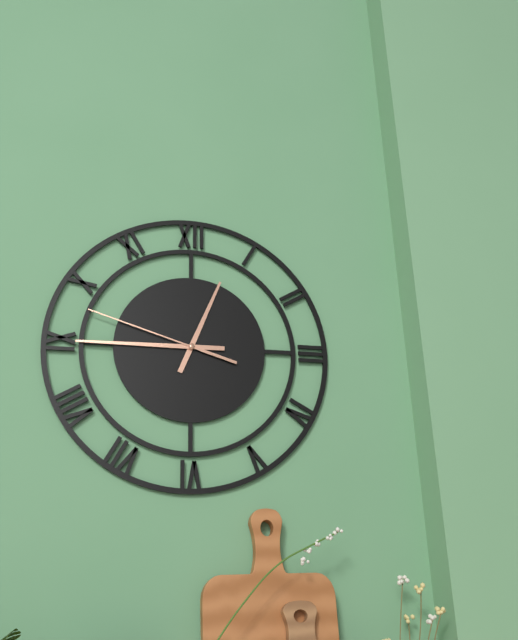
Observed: 12:45:48
